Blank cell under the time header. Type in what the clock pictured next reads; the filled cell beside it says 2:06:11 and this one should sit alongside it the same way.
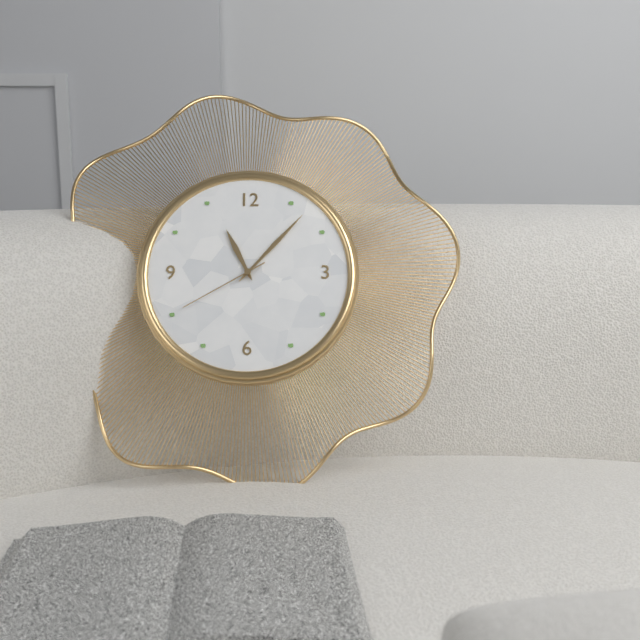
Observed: 11:07:40
